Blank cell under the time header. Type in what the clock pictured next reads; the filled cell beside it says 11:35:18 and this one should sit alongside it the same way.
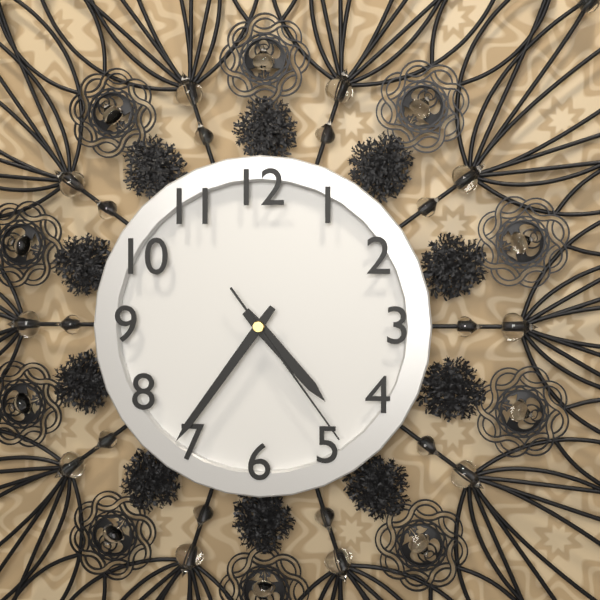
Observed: 4:36:24
